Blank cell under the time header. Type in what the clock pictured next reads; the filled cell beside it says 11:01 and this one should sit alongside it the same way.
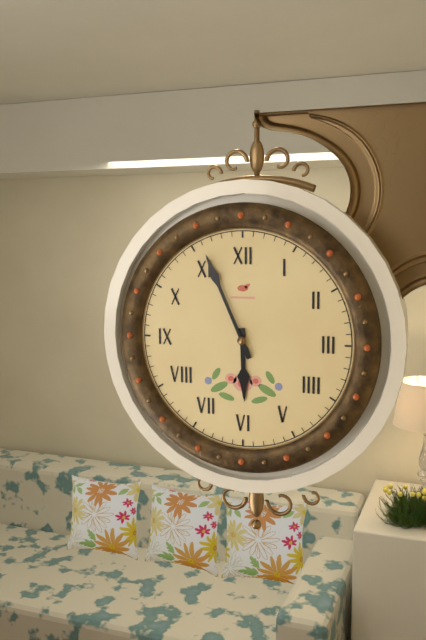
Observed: 5:56
